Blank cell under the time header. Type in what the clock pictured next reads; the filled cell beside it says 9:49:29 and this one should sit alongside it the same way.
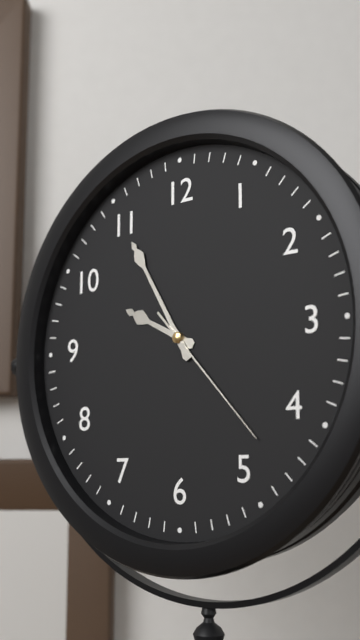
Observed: 9:55:23
